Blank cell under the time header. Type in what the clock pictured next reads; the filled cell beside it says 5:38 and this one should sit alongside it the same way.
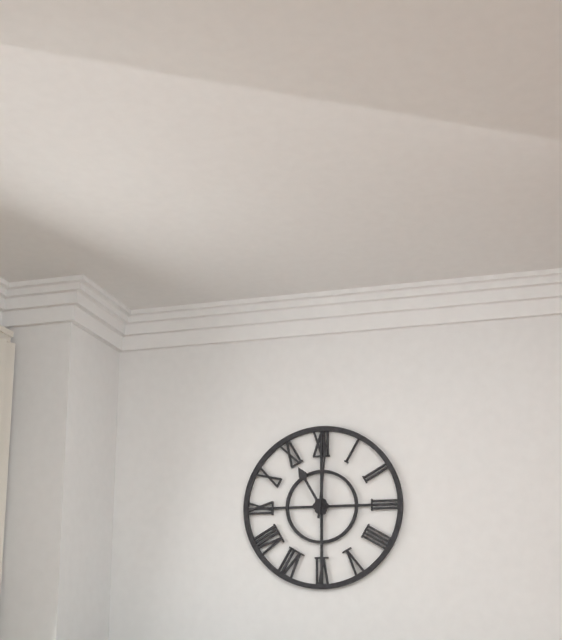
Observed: 11:01
